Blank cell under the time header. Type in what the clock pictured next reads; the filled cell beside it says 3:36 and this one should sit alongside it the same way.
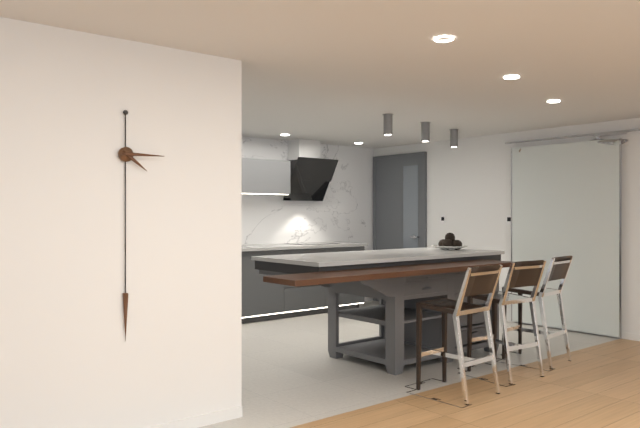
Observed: 4:15
